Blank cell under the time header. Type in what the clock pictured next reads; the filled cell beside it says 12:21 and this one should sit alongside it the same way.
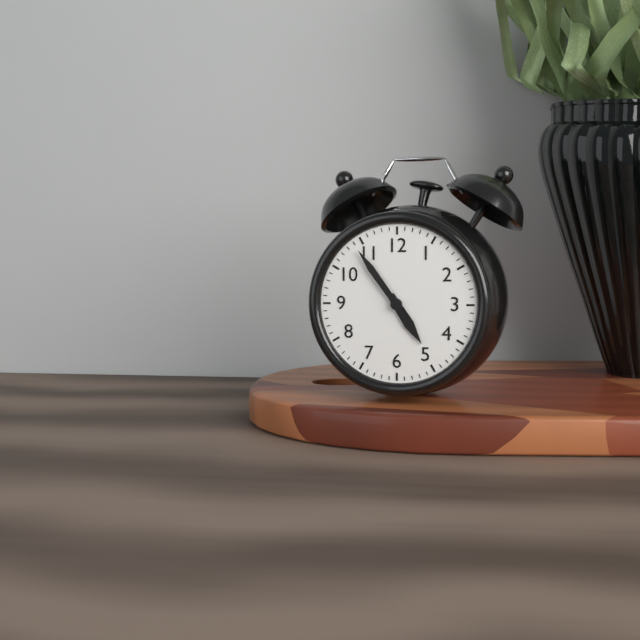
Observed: 4:54
